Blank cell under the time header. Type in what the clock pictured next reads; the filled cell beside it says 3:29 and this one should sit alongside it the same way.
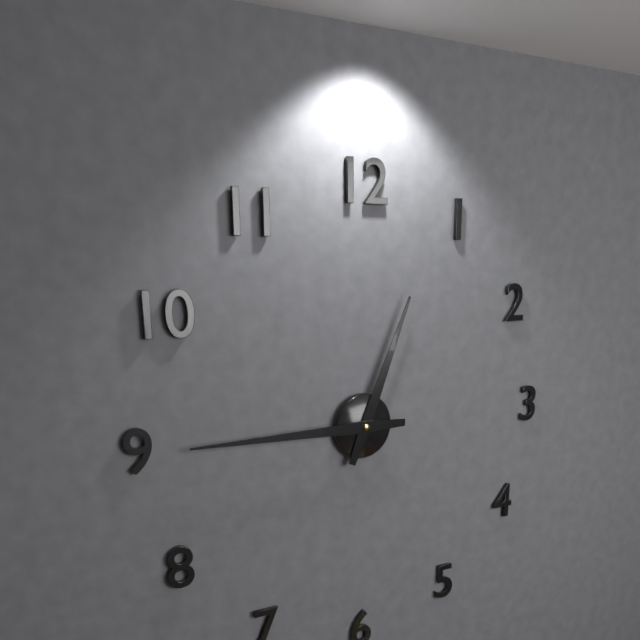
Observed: 12:45
